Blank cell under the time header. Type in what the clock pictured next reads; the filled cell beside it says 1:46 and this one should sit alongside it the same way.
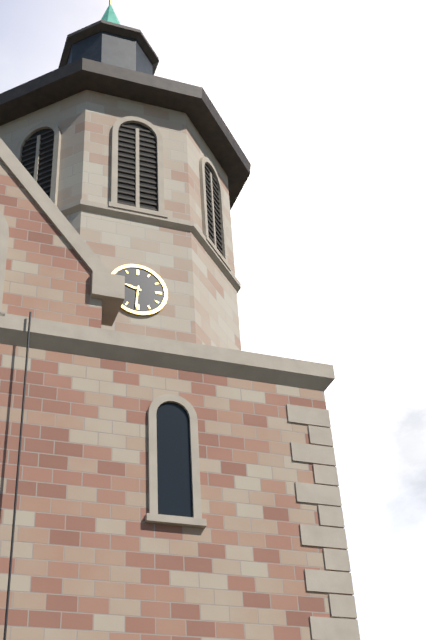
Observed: 9:31
